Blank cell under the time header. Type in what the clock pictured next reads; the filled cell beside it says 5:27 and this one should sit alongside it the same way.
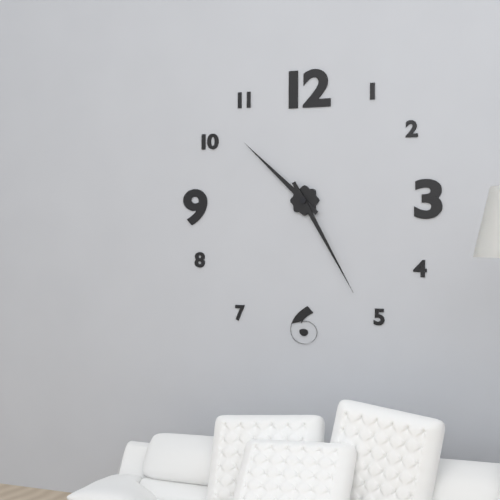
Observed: 10:25
